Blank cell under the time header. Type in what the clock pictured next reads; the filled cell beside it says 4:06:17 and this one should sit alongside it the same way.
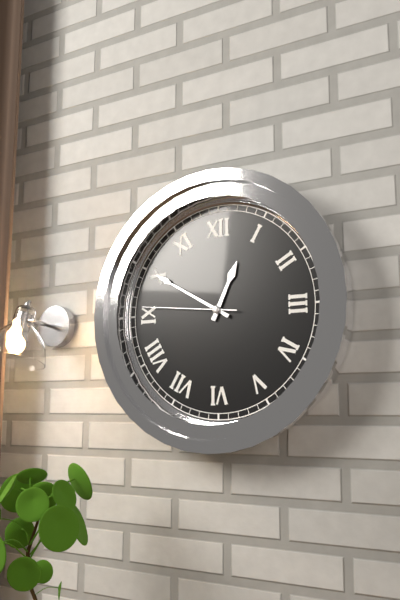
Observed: 12:50:46
